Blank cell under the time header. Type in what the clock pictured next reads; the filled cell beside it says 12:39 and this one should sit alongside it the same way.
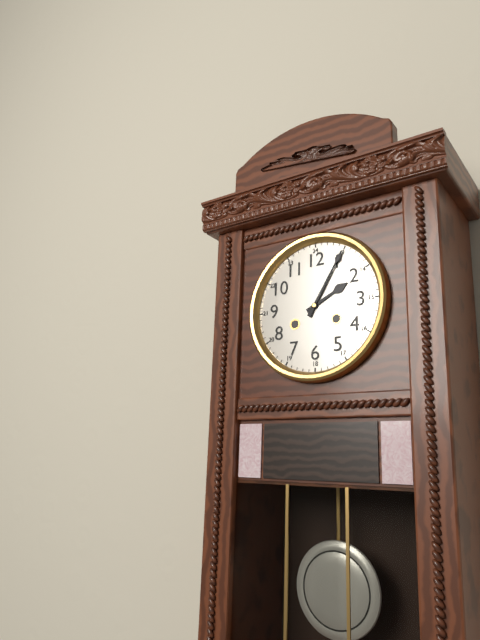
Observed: 2:05
